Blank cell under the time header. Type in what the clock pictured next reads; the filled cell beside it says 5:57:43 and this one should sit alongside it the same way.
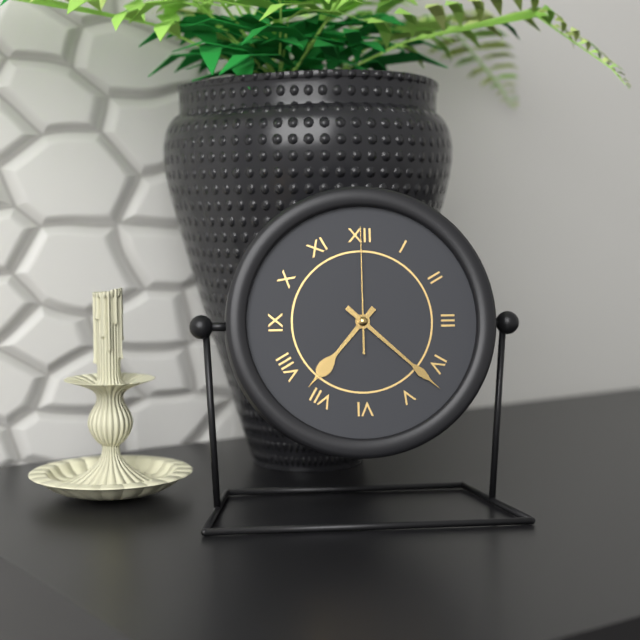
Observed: 7:22:00
